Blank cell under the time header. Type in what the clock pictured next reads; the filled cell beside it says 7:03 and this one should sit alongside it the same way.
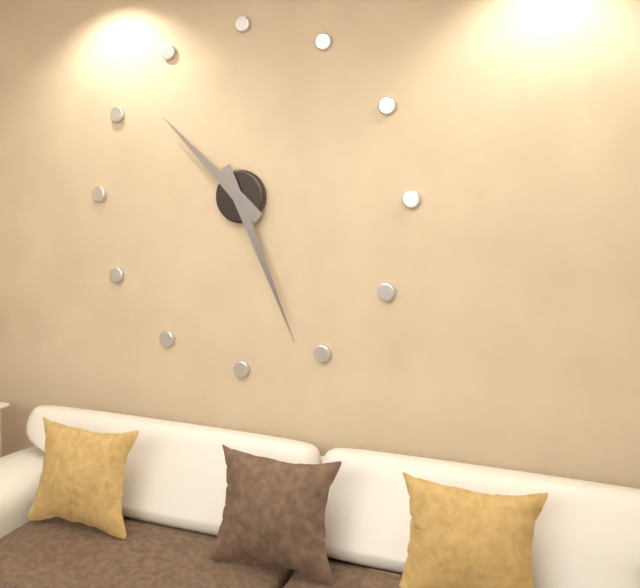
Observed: 10:26
